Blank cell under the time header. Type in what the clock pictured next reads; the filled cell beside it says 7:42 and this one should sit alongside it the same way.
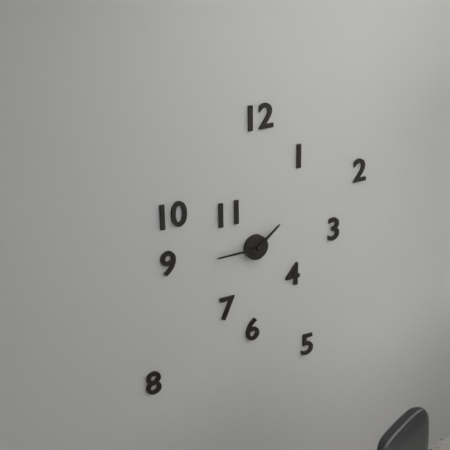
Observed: 1:45
